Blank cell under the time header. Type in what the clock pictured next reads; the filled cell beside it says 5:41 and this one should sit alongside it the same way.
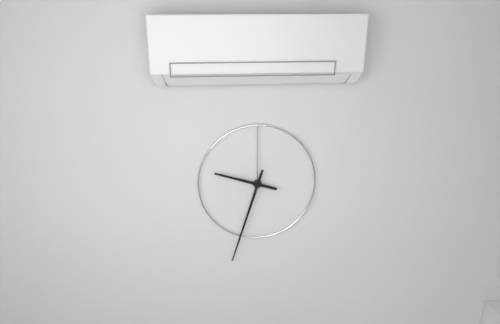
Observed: 9:33
